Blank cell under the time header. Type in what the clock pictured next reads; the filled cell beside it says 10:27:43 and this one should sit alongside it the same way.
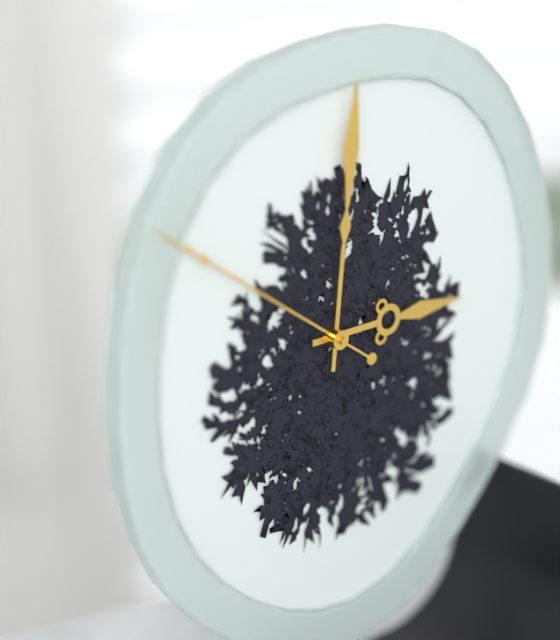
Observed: 3:01:51
